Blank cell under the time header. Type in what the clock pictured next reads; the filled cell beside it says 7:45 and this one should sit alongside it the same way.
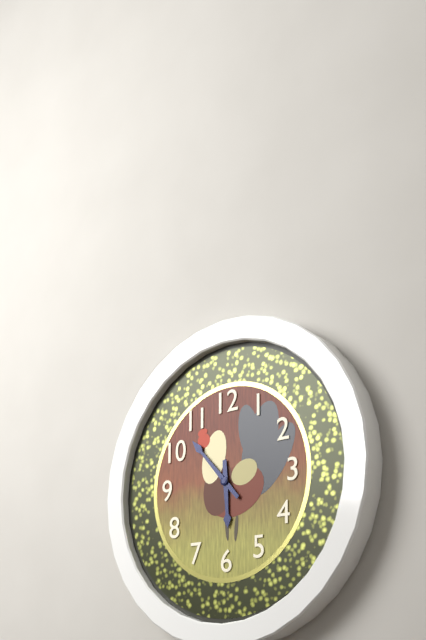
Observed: 5:53
